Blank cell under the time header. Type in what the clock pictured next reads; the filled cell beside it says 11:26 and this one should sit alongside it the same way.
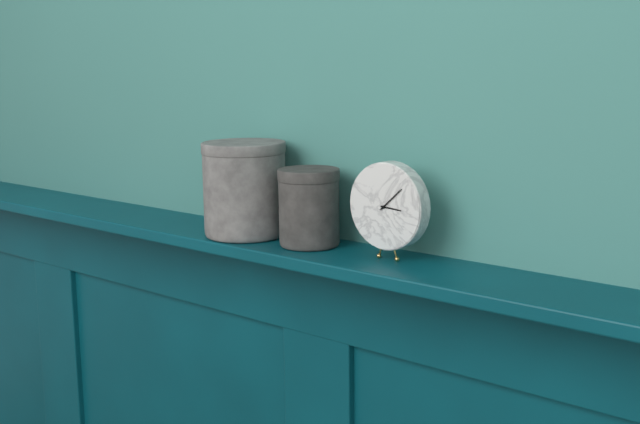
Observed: 3:08
